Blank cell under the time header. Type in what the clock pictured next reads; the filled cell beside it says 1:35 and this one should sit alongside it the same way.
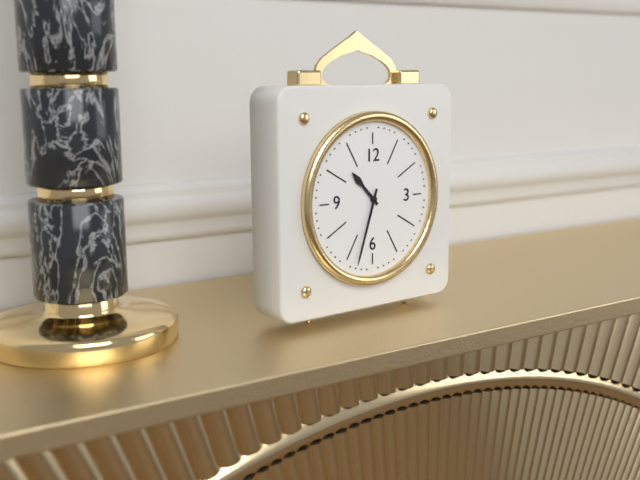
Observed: 10:33
